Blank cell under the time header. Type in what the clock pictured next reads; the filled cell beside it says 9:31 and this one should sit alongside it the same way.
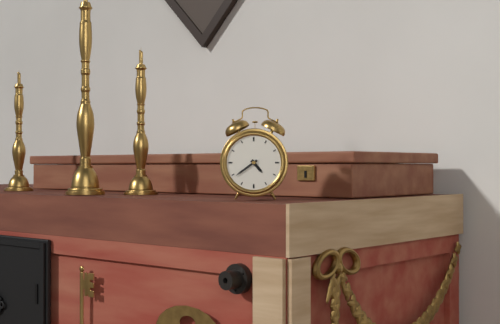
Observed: 4:39
